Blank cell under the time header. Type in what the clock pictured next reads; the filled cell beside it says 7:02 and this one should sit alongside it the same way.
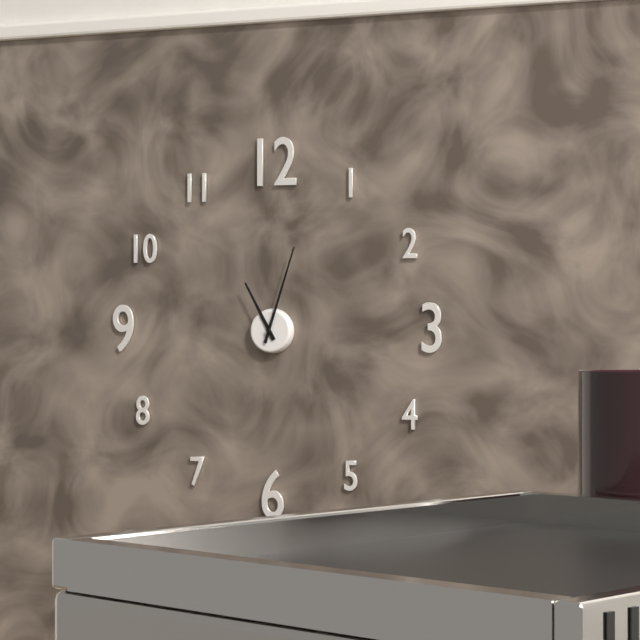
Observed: 11:03
